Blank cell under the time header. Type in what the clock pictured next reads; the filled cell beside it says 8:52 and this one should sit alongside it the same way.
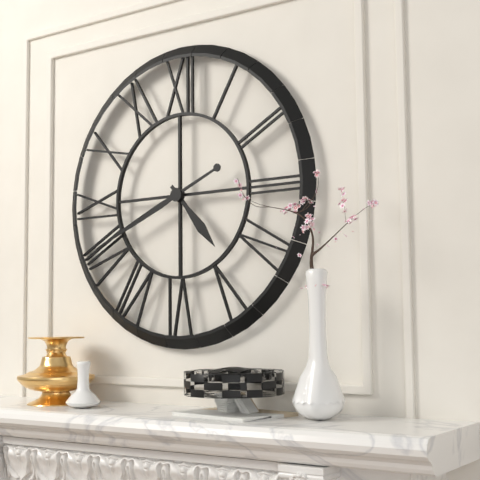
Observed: 4:41
